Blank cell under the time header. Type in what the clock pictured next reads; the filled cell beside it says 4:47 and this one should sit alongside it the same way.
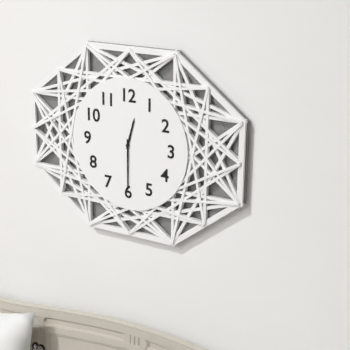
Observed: 12:30
